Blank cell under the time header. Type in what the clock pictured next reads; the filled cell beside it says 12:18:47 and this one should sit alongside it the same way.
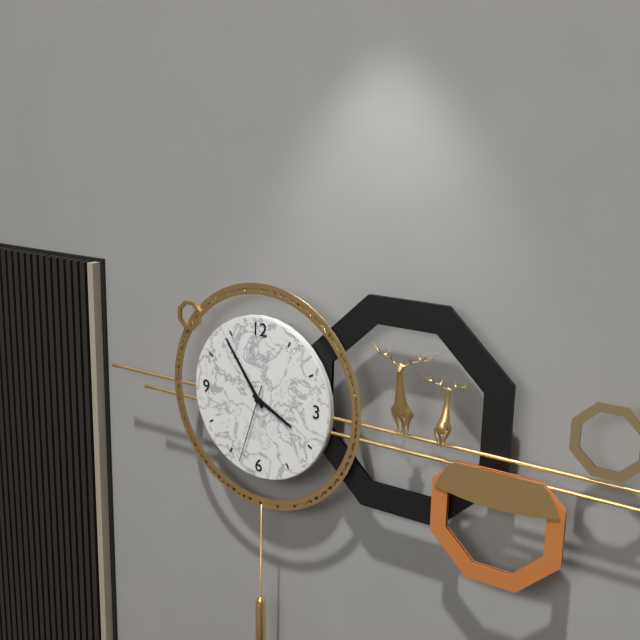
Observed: 3:54:33
